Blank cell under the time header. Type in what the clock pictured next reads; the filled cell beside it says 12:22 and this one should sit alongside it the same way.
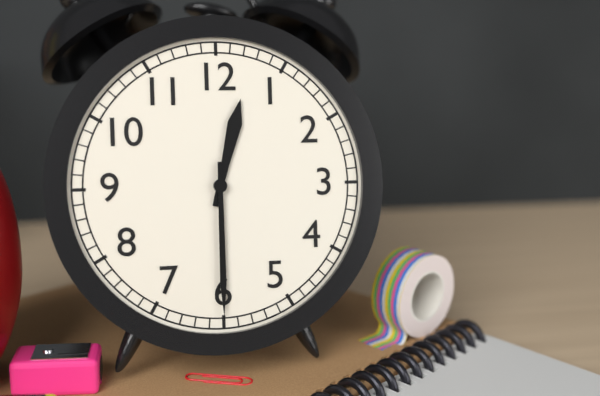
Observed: 12:30
